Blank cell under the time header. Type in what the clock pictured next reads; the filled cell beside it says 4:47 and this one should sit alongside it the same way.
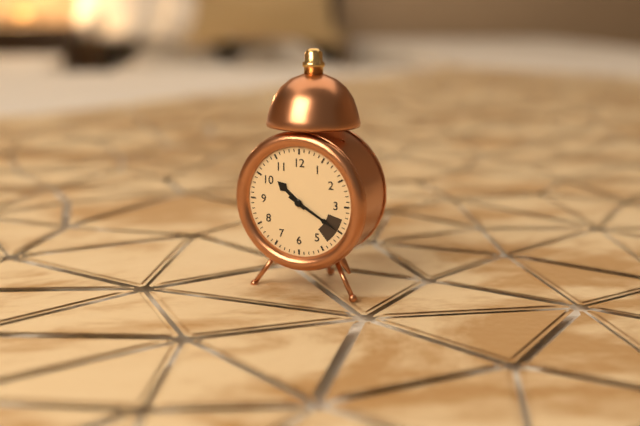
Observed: 10:20
